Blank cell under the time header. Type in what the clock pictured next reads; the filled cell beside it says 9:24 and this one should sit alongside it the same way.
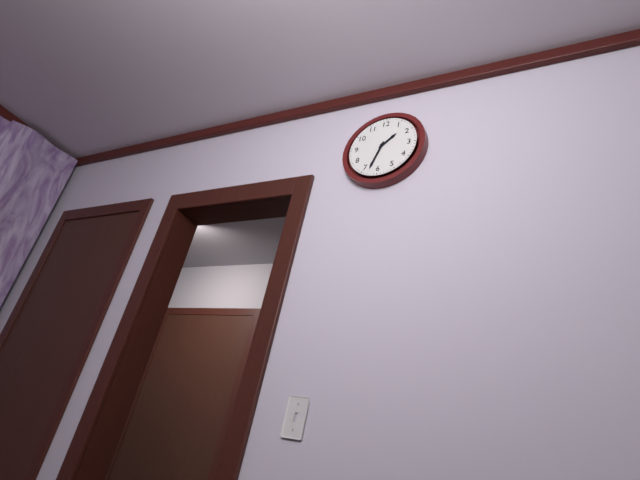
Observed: 1:33
